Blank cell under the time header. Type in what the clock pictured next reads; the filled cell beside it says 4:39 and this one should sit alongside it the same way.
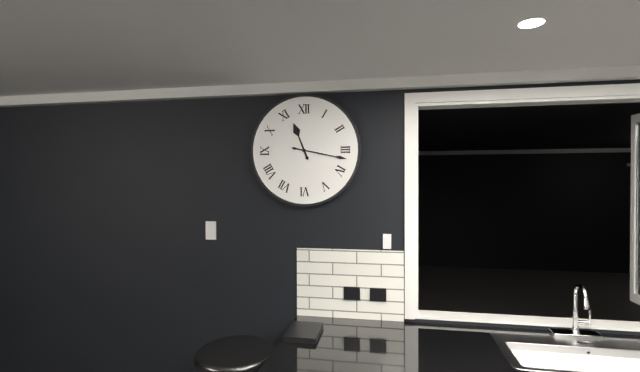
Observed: 11:17
